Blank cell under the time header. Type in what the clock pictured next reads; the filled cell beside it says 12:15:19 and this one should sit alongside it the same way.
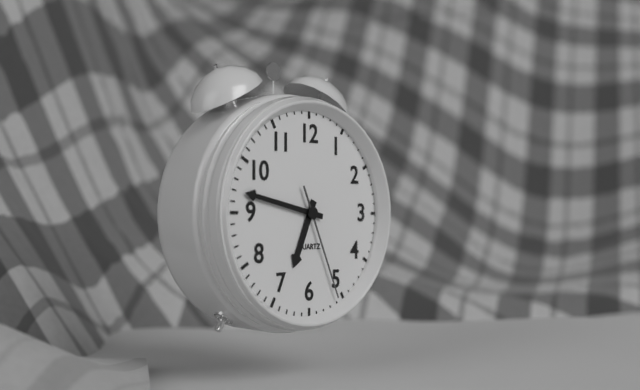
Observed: 6:47:26
